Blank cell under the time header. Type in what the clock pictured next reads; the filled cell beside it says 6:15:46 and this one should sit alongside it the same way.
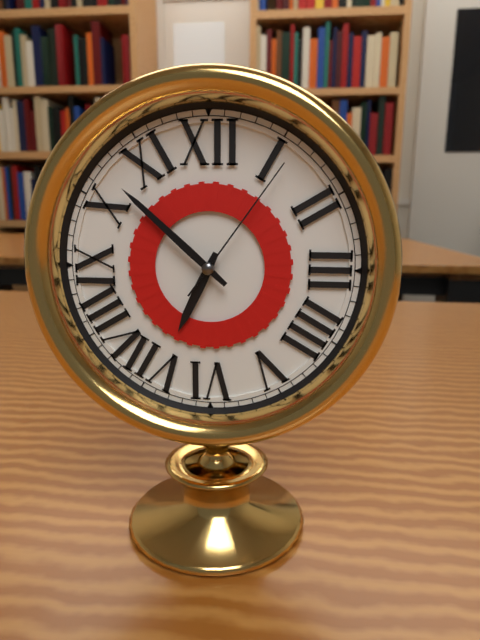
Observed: 6:52:06
